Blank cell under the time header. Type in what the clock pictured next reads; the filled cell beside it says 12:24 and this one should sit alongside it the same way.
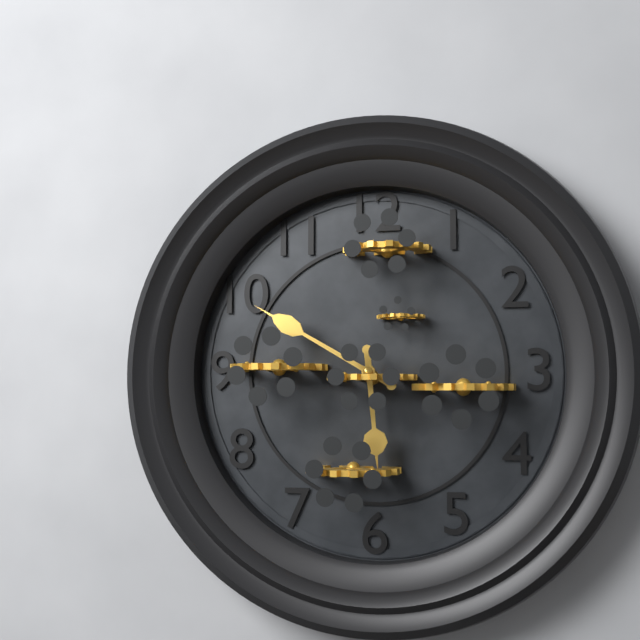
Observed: 5:50
